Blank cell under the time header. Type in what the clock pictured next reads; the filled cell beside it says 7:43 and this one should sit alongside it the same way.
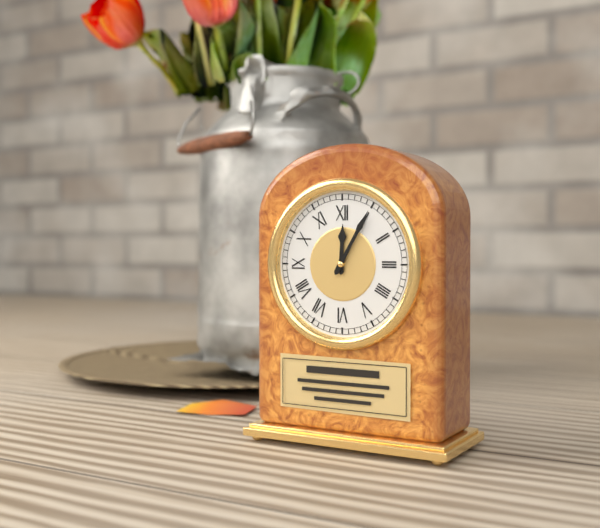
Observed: 12:05
